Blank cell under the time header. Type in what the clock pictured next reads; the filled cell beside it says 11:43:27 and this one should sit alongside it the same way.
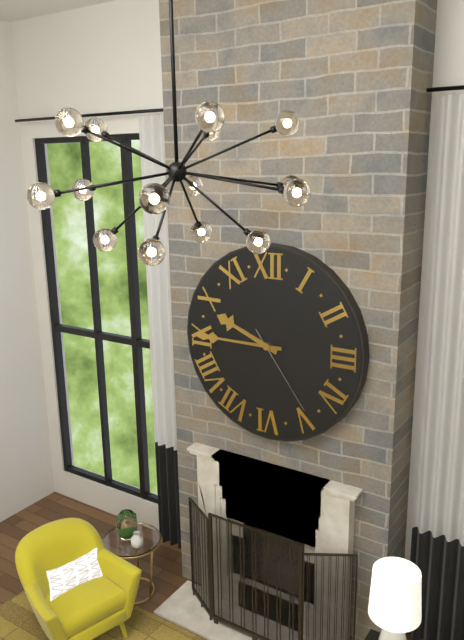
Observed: 9:45:24
